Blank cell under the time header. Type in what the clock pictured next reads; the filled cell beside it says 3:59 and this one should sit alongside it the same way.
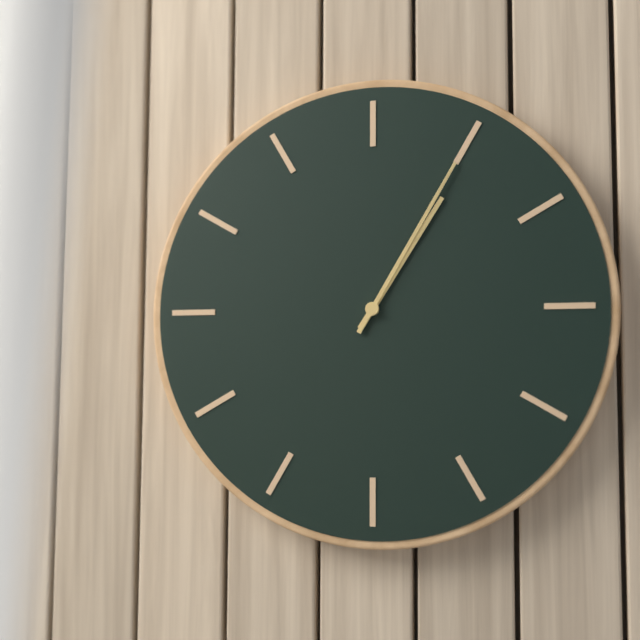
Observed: 1:05
